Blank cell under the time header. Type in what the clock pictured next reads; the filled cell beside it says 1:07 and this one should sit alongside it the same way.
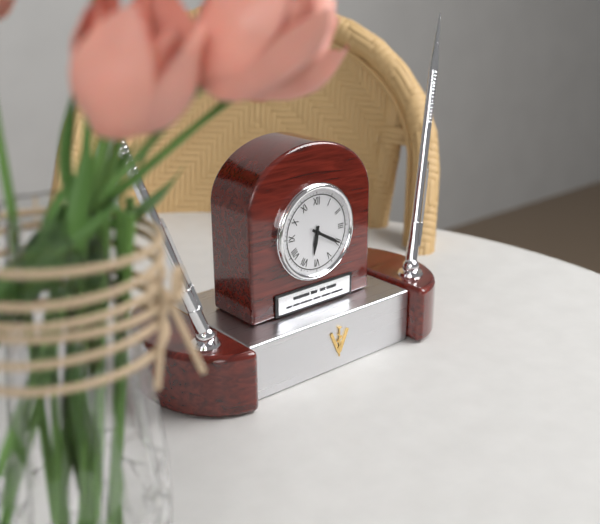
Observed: 6:20
